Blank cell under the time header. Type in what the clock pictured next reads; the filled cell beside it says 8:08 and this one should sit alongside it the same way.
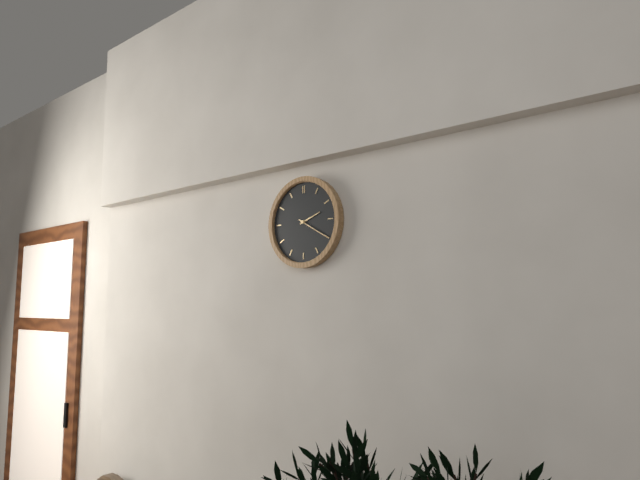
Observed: 2:20
